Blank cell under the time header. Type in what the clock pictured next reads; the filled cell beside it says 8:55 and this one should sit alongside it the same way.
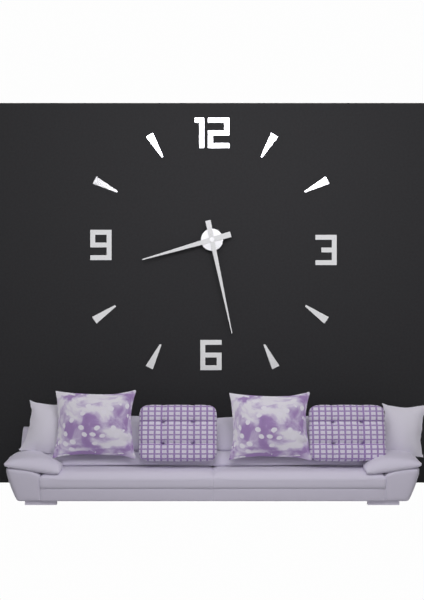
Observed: 8:28
